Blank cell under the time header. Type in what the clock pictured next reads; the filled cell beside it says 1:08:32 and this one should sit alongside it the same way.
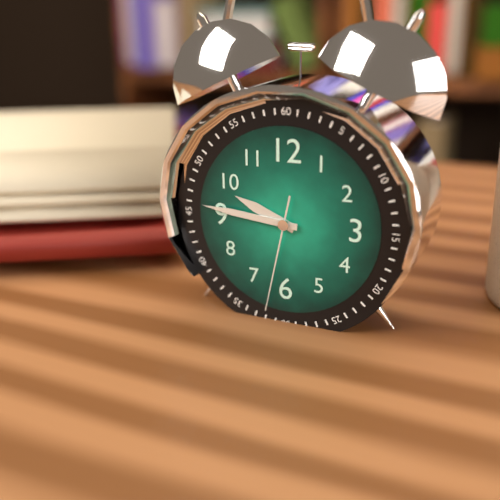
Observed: 9:46:32
